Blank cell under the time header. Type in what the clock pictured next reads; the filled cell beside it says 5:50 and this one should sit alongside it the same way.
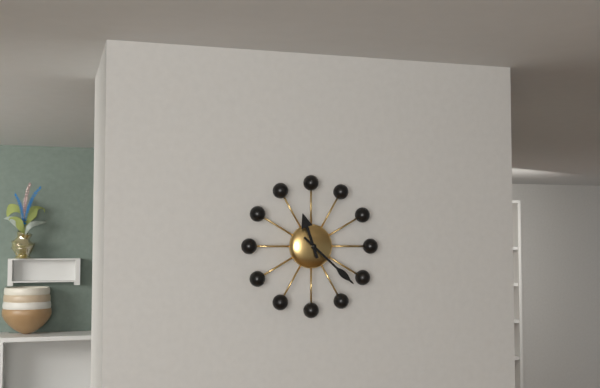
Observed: 11:22
